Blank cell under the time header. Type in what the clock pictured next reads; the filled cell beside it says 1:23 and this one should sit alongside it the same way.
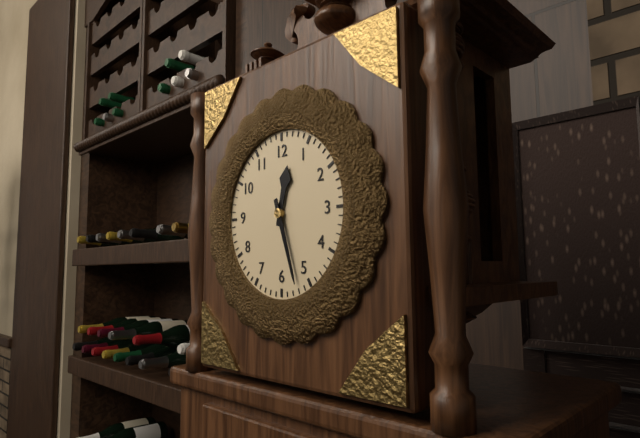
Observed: 12:27
